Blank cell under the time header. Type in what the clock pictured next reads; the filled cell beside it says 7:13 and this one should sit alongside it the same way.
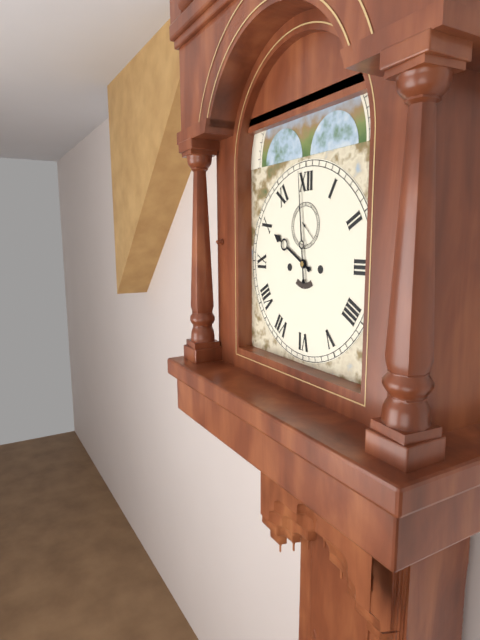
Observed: 9:59
